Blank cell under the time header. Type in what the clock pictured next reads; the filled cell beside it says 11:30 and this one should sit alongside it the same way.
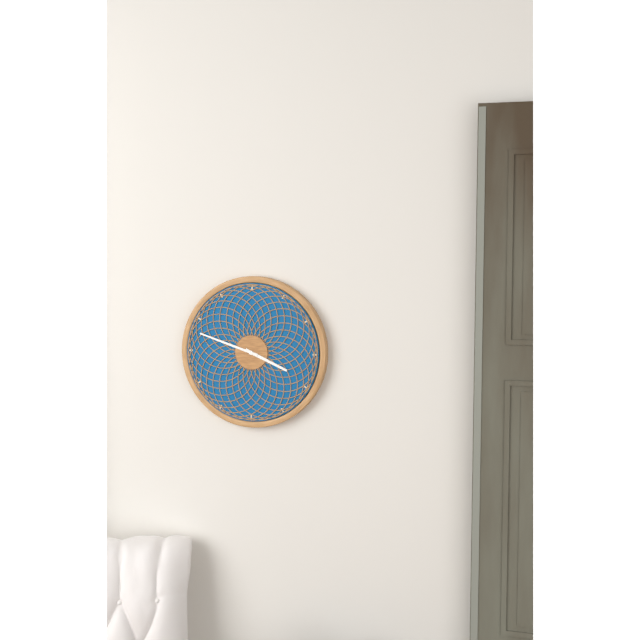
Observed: 3:48
